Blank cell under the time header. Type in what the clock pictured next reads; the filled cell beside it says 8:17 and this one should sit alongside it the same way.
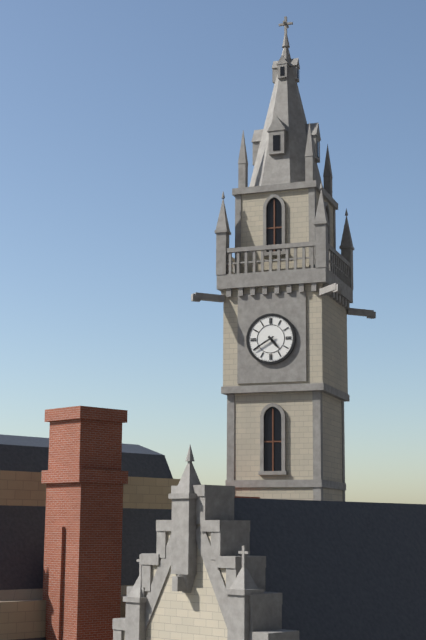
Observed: 4:40
